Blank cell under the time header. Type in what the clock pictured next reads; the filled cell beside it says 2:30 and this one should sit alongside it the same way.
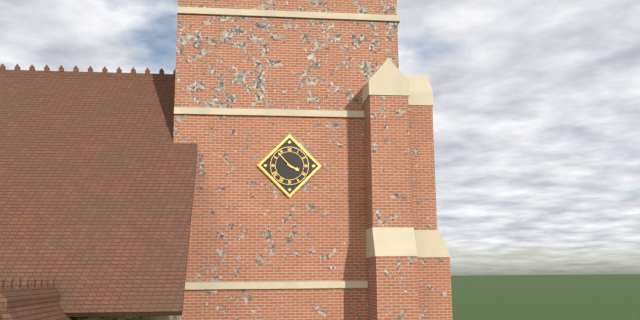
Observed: 3:53
